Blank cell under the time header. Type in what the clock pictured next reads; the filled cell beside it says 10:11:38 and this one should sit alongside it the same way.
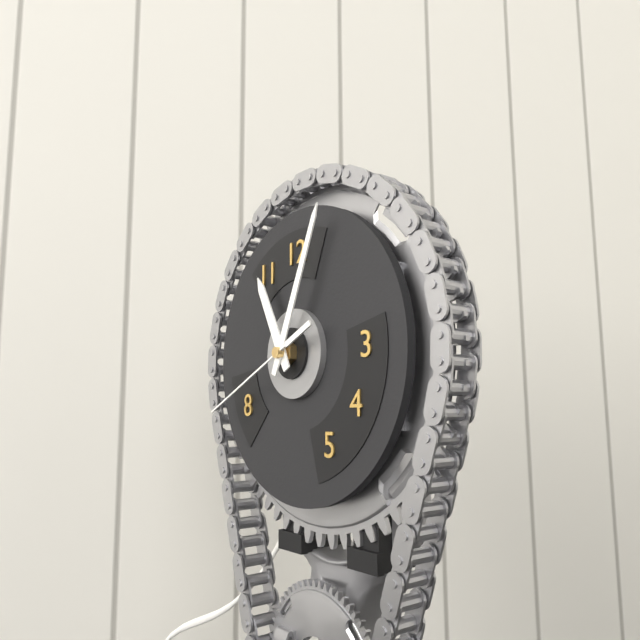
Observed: 11:04:41
